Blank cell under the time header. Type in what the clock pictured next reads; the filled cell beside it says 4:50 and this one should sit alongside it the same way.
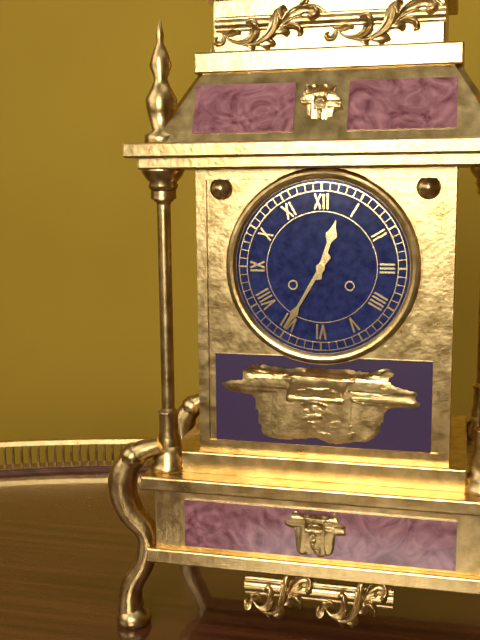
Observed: 12:35
